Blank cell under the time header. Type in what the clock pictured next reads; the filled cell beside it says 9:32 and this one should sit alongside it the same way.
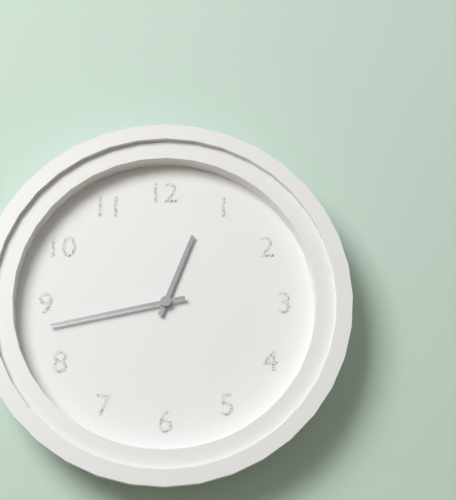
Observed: 12:43
